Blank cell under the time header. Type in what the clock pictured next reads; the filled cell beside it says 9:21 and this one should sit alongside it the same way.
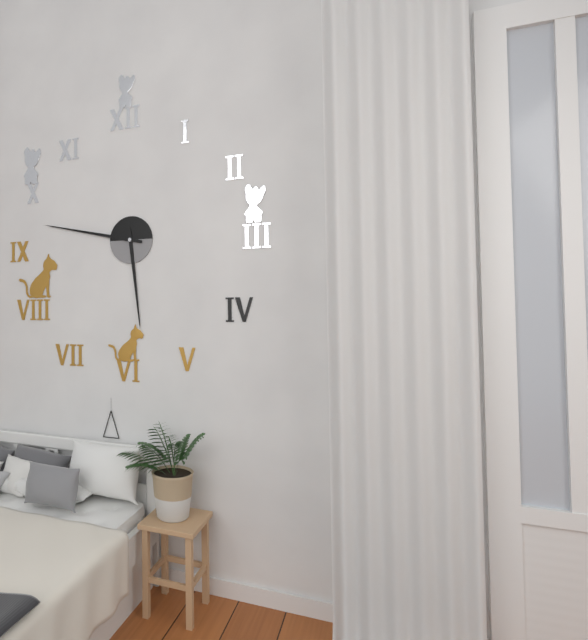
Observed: 5:47
